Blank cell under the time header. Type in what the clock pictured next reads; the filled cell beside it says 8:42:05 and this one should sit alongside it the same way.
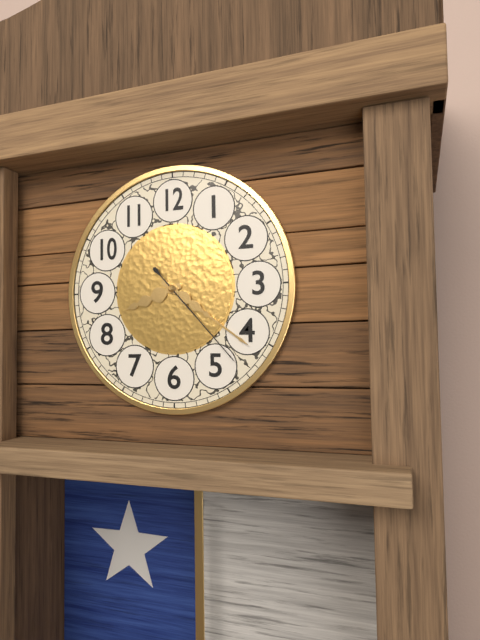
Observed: 8:21:23
